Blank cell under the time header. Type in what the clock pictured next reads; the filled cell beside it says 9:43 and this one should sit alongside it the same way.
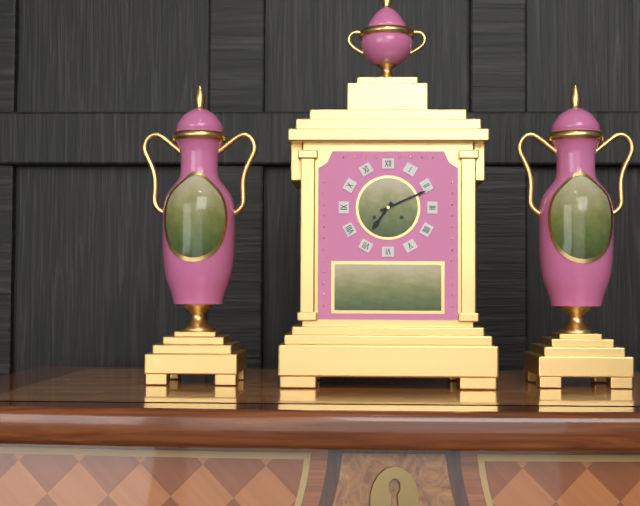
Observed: 7:11
